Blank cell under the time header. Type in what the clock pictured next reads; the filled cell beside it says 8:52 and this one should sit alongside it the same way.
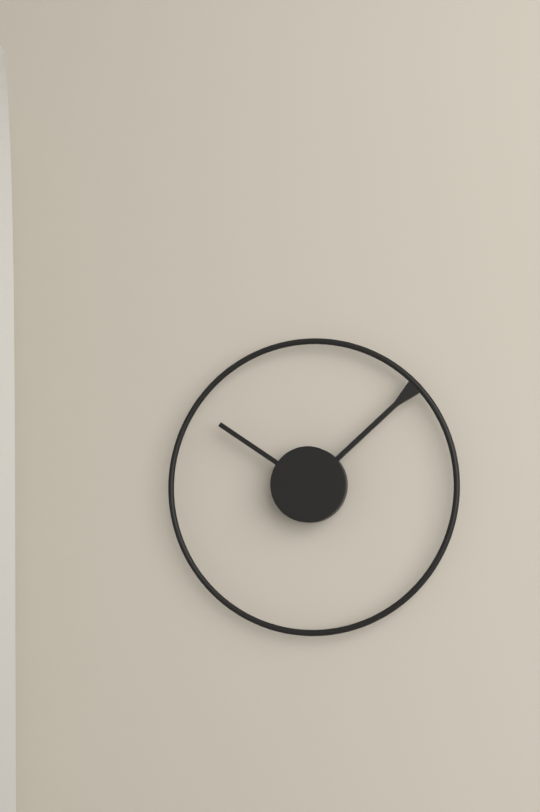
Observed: 10:08
